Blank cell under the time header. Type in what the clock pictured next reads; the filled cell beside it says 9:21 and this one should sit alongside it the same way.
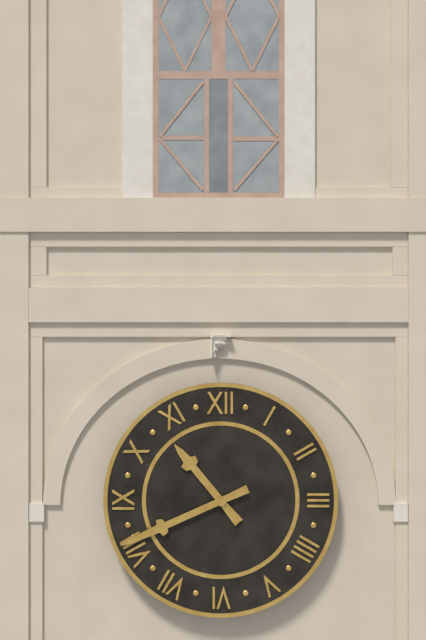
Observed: 10:41
